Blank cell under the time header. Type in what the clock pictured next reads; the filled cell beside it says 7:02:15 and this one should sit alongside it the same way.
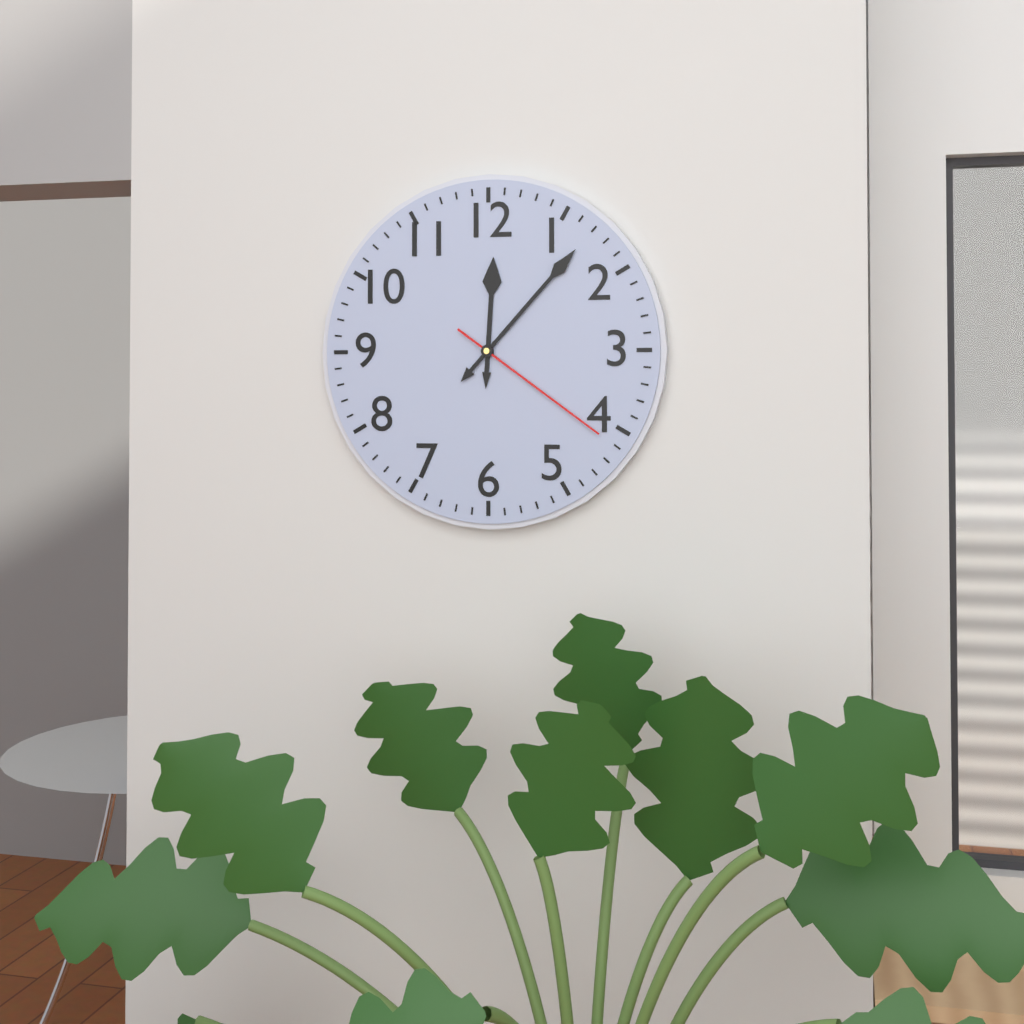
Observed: 12:07:21
